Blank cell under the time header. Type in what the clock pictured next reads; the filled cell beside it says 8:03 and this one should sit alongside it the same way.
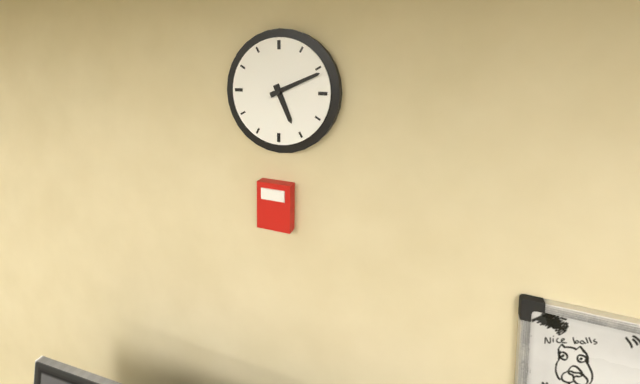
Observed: 5:11
